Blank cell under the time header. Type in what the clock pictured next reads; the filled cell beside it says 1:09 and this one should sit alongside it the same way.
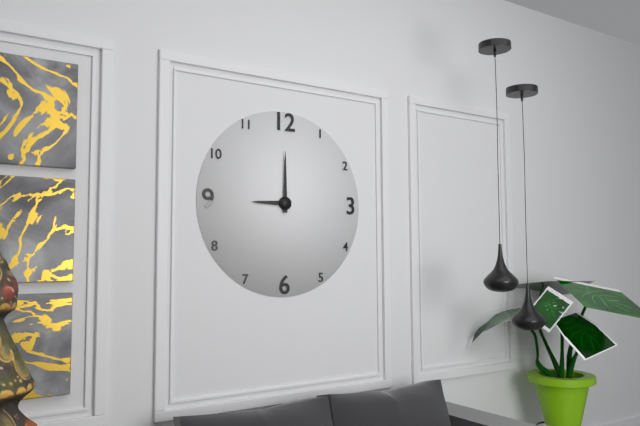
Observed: 9:00
